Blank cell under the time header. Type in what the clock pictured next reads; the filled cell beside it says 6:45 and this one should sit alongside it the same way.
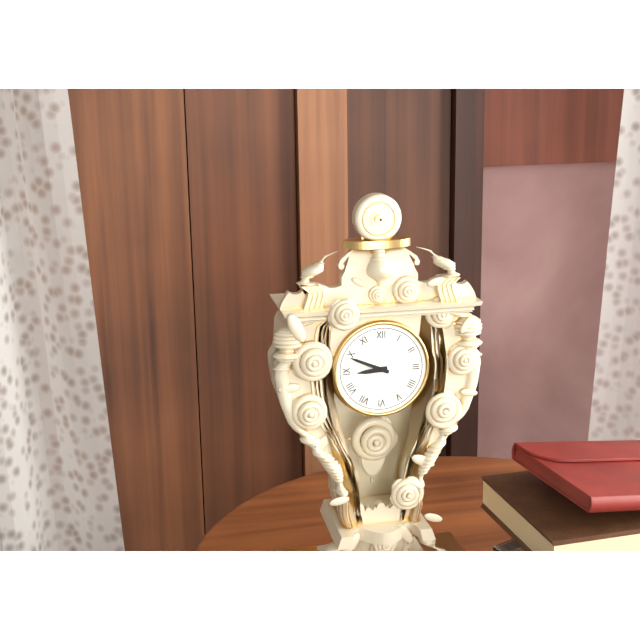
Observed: 8:49
